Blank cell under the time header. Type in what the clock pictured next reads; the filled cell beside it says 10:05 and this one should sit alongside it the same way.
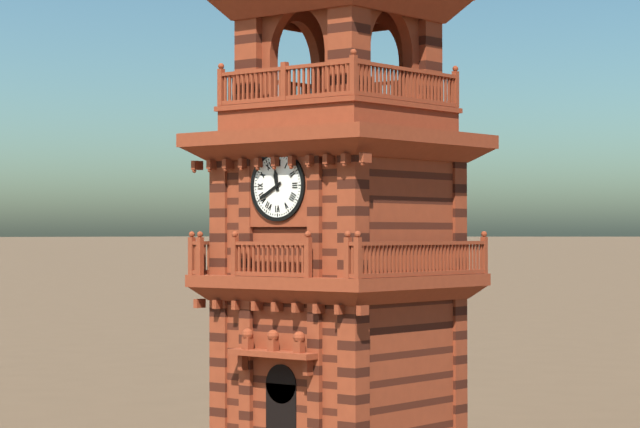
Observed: 11:40
